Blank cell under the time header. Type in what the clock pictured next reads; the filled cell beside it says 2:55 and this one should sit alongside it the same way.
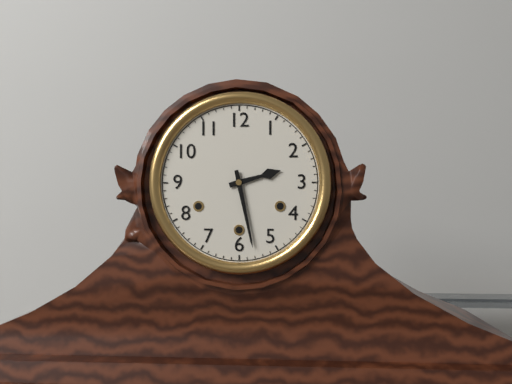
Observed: 2:28
